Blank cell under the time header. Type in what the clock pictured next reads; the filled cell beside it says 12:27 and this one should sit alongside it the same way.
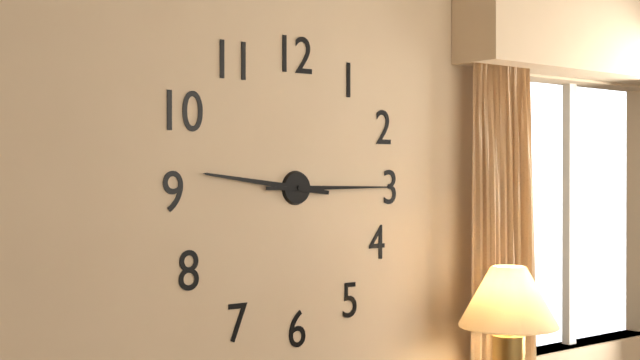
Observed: 9:15
